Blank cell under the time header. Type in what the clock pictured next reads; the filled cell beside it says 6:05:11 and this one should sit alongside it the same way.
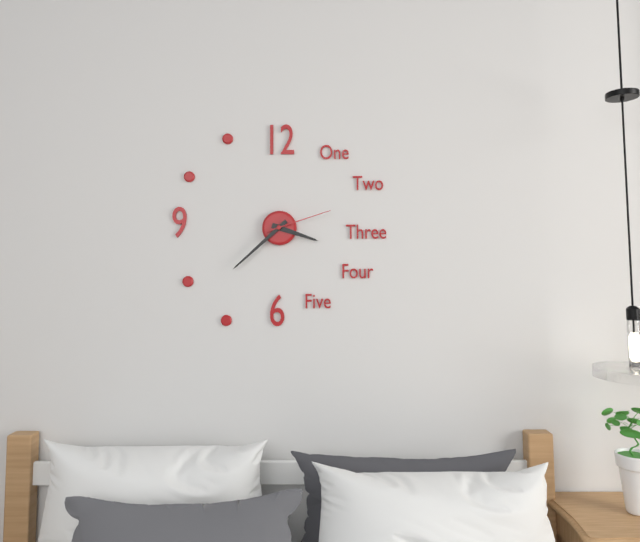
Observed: 3:38:12
